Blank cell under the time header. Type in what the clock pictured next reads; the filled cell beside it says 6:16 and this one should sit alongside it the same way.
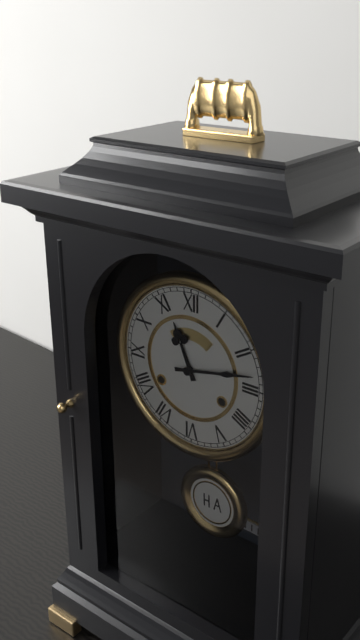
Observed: 11:13
